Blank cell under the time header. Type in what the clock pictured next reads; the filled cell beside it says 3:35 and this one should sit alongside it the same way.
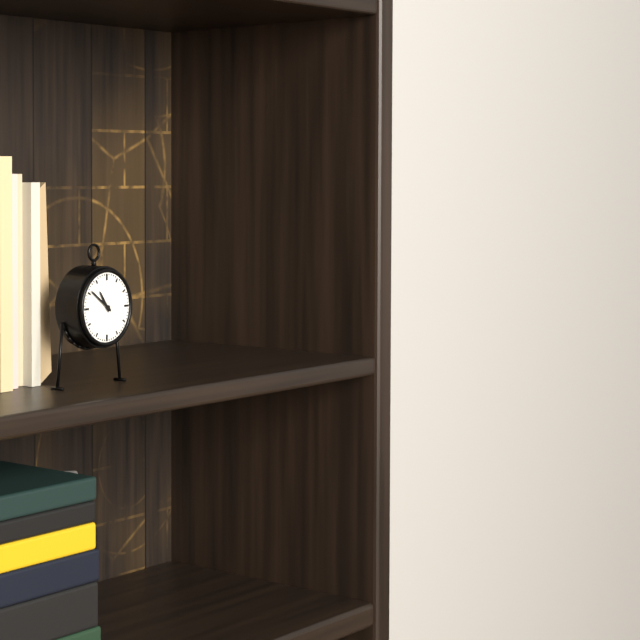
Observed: 10:51
